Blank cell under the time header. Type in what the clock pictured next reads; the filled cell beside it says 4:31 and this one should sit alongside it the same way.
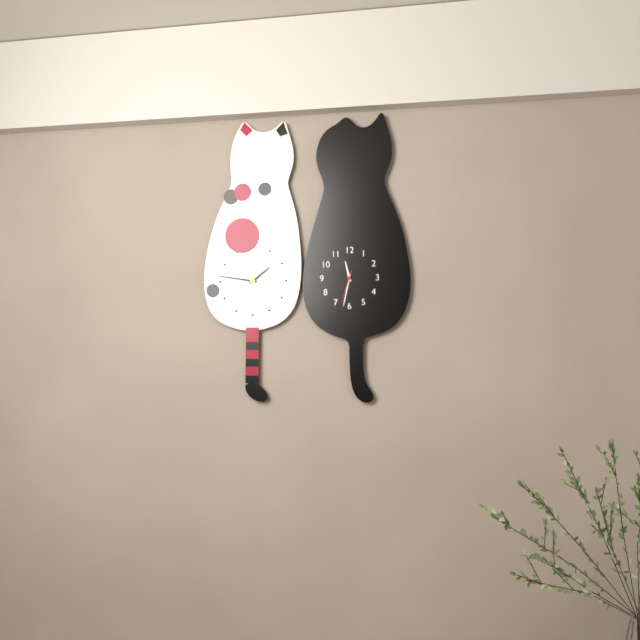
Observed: 11:32
